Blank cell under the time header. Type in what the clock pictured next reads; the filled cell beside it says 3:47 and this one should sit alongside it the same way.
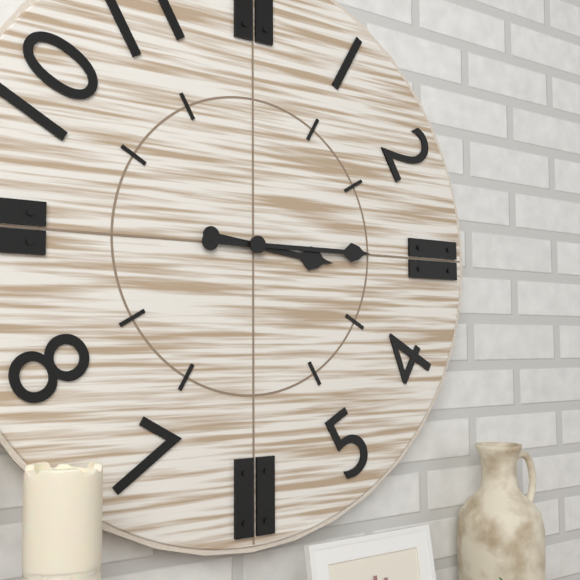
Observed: 3:15
